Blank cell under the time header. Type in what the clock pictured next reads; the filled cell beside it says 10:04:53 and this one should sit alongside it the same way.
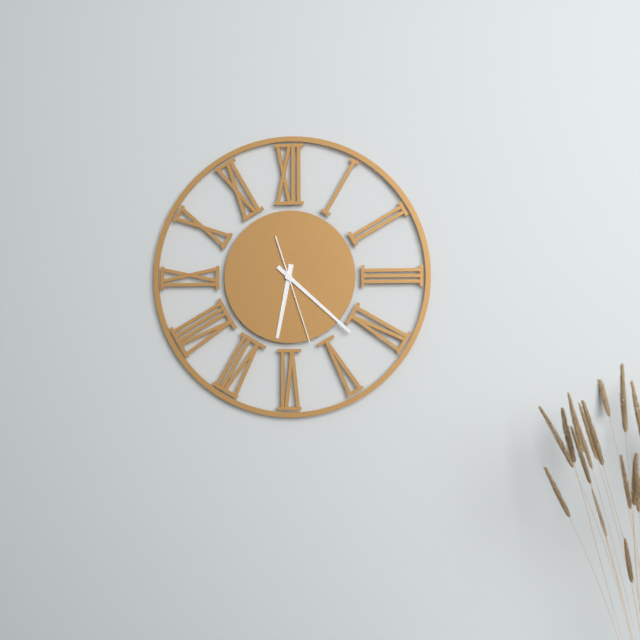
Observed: 6:22:27
